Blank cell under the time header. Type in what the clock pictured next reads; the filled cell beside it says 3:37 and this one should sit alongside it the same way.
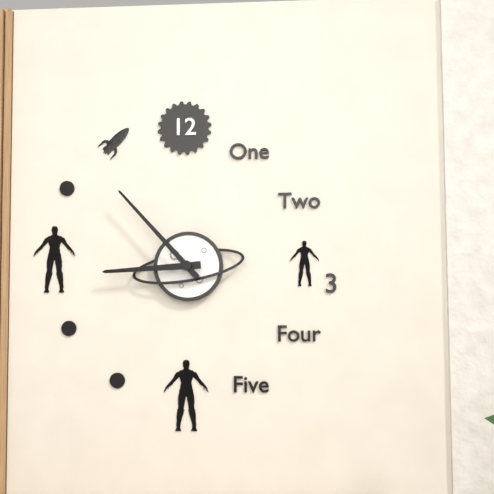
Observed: 8:53
